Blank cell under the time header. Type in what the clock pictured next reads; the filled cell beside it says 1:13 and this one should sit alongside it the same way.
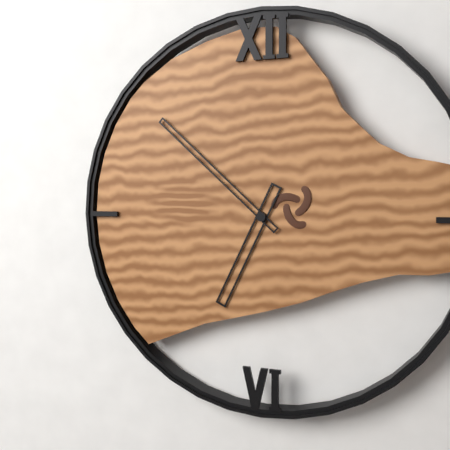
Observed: 6:52
